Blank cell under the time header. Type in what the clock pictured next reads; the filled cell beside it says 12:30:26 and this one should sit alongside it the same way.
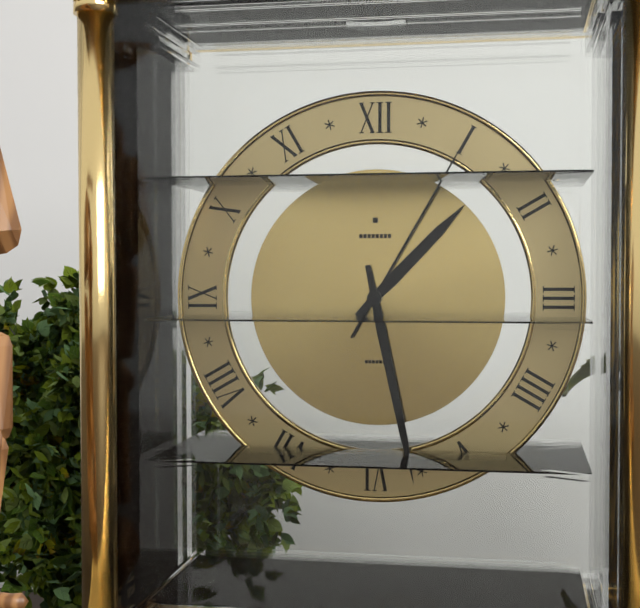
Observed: 1:28:05
